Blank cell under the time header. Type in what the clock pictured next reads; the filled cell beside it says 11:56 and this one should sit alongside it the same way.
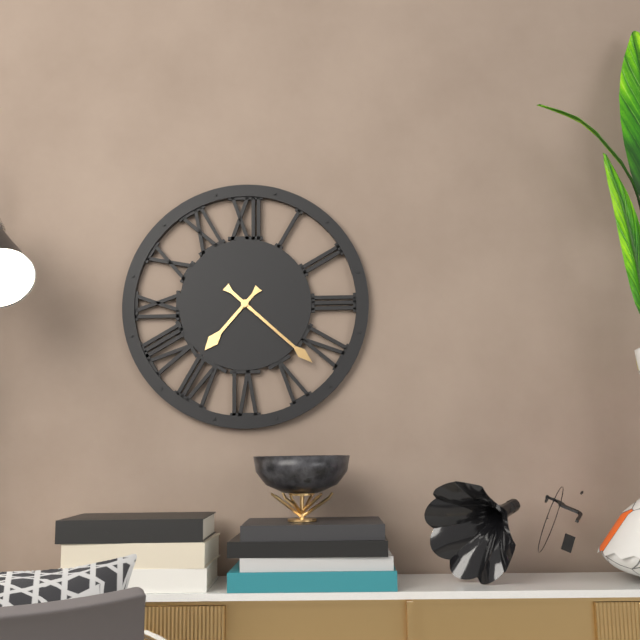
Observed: 7:22
